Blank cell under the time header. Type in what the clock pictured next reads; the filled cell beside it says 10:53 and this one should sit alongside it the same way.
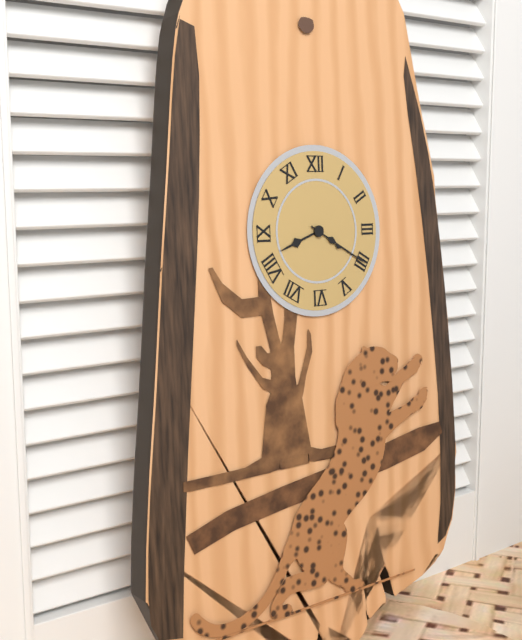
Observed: 8:20
